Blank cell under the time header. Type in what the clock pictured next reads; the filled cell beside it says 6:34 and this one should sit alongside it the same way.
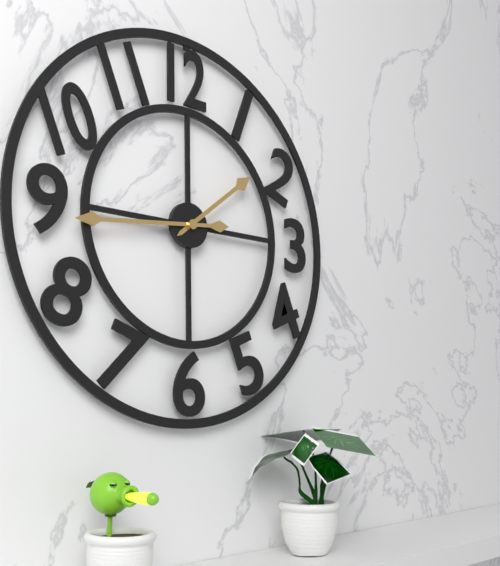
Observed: 1:44
